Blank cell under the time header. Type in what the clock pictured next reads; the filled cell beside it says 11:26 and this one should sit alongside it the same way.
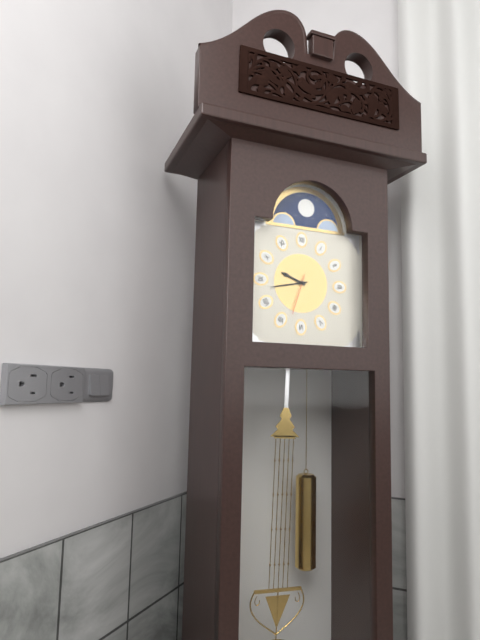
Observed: 9:43
